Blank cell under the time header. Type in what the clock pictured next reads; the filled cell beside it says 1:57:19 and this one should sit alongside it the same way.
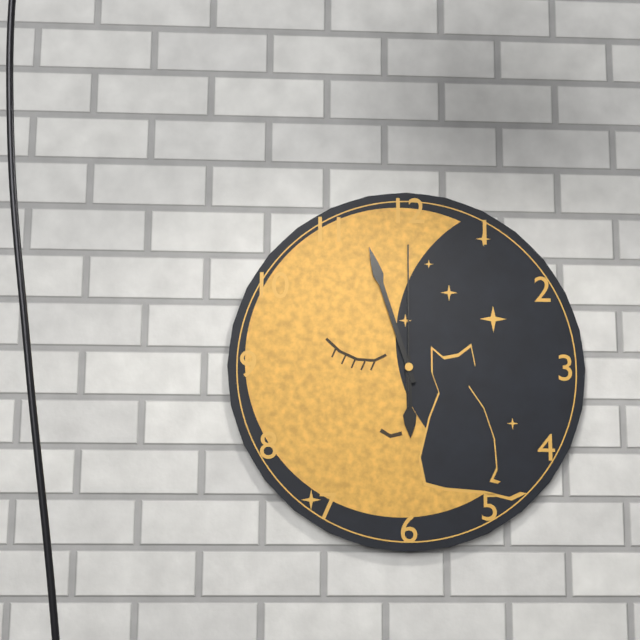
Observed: 5:57:00
